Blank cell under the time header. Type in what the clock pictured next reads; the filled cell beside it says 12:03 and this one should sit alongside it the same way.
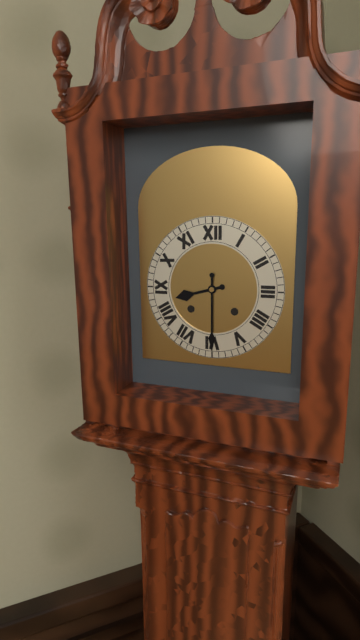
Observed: 8:30
